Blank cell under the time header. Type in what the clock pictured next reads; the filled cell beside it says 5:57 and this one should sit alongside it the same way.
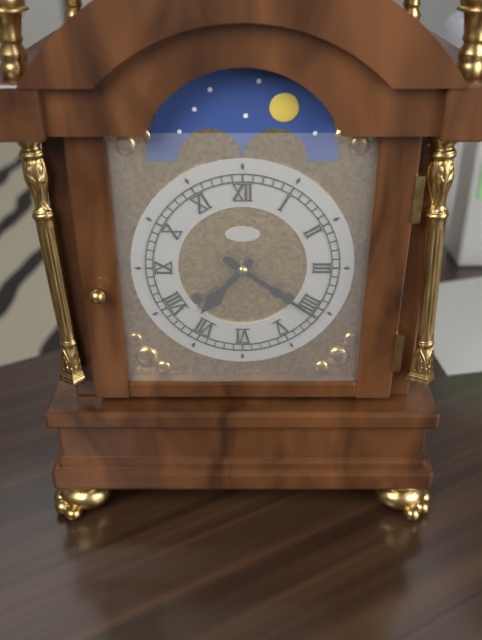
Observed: 7:21
